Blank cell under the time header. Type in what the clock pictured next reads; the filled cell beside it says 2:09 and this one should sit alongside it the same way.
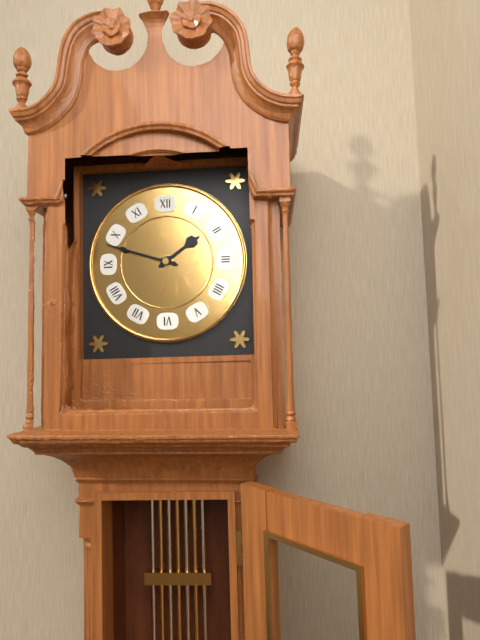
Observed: 1:48
